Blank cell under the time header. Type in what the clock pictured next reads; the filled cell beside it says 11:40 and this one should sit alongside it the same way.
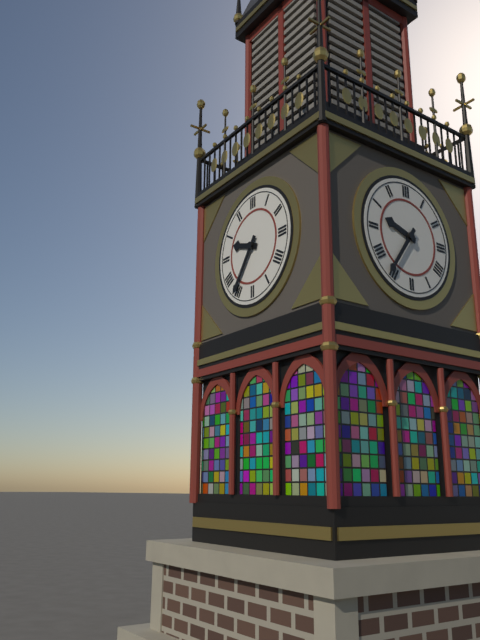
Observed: 9:36
